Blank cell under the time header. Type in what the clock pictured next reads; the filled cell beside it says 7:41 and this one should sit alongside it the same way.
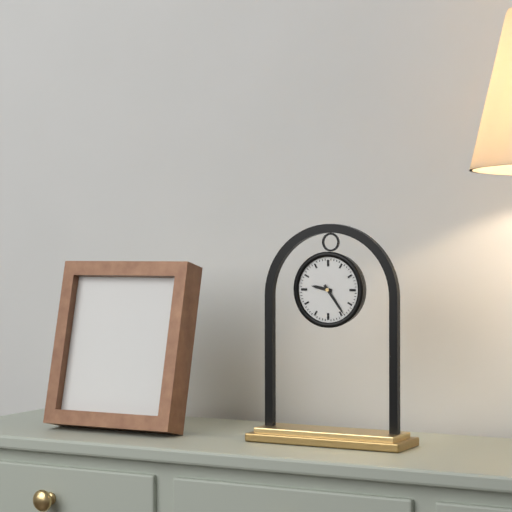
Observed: 9:24
